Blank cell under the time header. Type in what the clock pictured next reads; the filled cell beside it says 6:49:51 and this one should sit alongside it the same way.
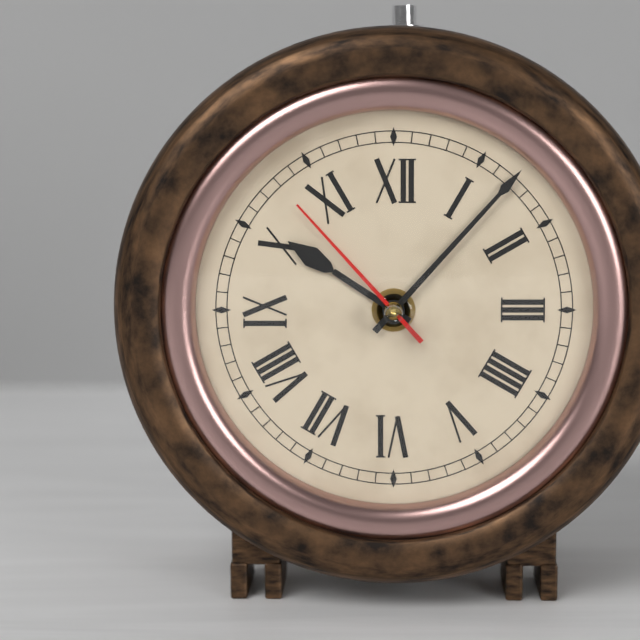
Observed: 10:07:53
